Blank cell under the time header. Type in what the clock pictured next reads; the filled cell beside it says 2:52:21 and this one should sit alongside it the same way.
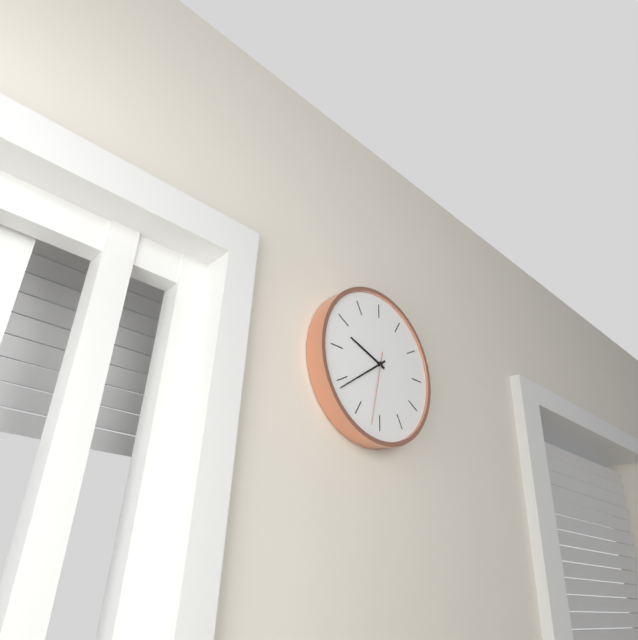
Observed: 9:39:32
